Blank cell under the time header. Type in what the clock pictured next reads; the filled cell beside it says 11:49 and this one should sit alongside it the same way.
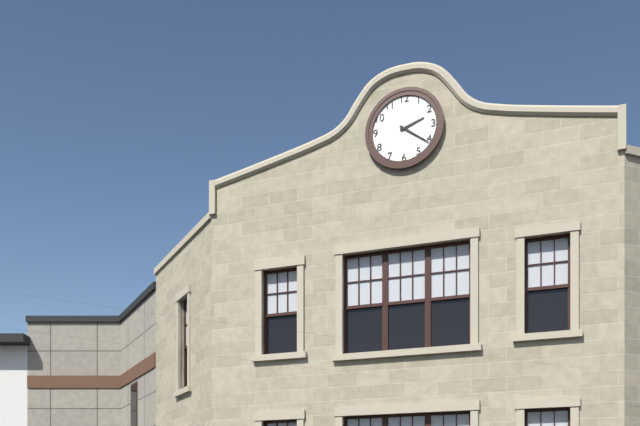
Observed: 2:21
